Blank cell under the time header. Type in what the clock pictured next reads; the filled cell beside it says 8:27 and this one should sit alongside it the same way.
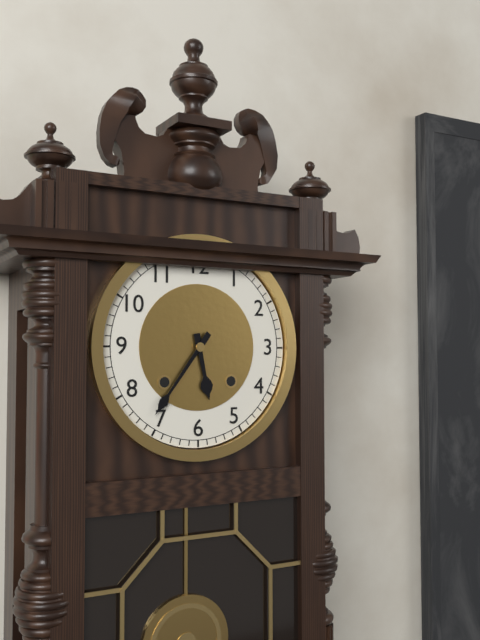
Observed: 5:36
